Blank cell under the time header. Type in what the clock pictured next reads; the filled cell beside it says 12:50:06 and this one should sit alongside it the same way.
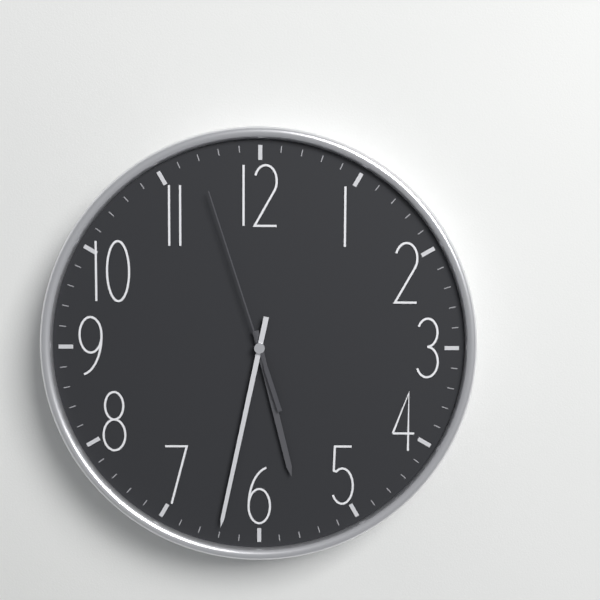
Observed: 5:32:57
